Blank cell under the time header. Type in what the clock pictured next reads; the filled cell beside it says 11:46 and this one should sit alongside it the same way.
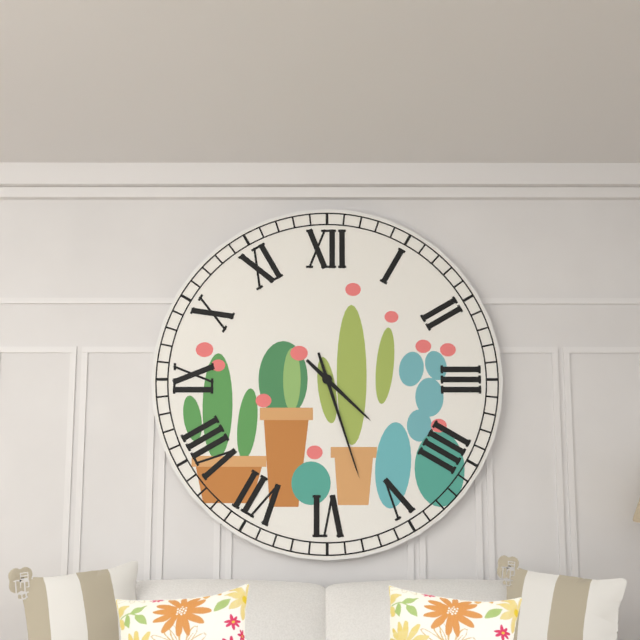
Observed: 4:27
